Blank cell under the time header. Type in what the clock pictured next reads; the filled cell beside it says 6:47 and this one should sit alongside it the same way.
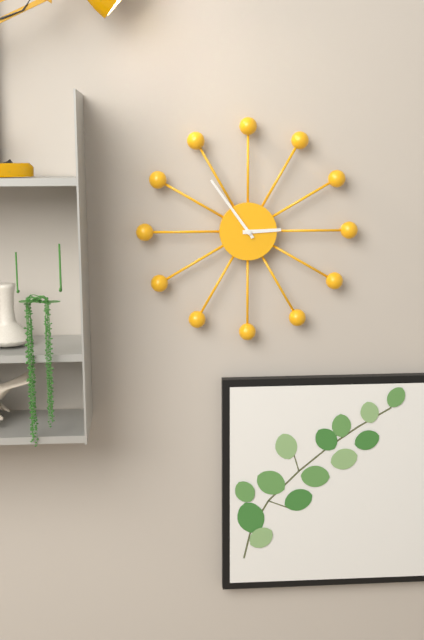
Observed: 2:54
